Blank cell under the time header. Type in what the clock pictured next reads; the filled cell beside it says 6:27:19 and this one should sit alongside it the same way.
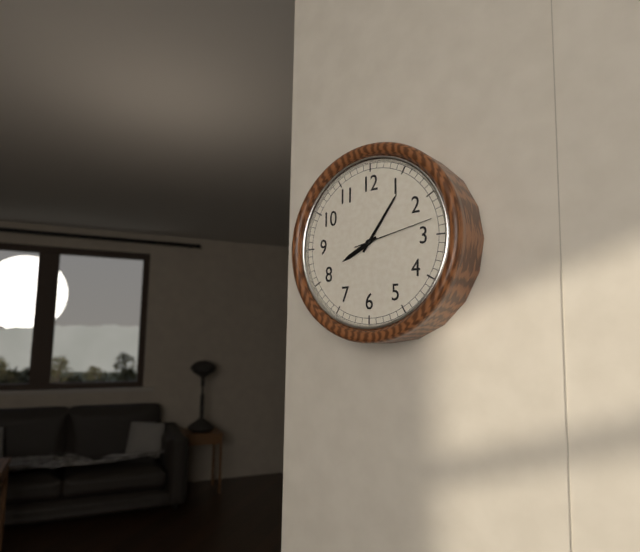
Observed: 8:06:13
